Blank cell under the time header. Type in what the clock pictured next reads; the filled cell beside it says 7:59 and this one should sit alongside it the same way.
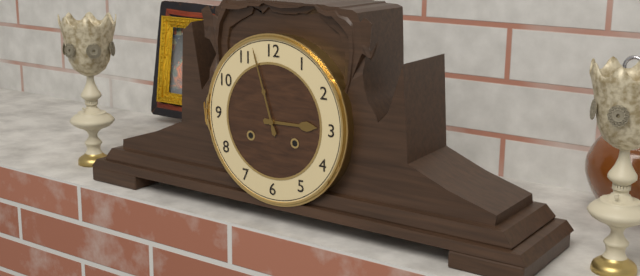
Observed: 2:57
